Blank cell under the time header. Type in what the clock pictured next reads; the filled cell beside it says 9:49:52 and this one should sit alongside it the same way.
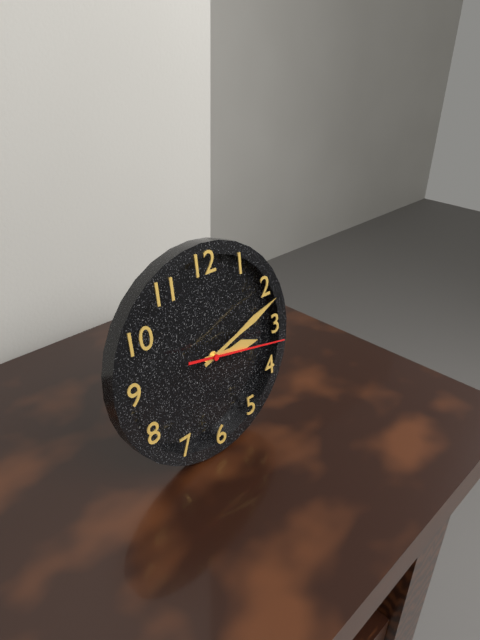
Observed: 3:12:17
